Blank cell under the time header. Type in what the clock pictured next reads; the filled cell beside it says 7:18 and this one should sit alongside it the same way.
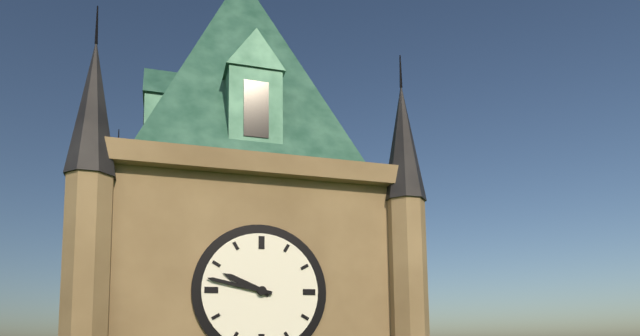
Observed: 9:47
